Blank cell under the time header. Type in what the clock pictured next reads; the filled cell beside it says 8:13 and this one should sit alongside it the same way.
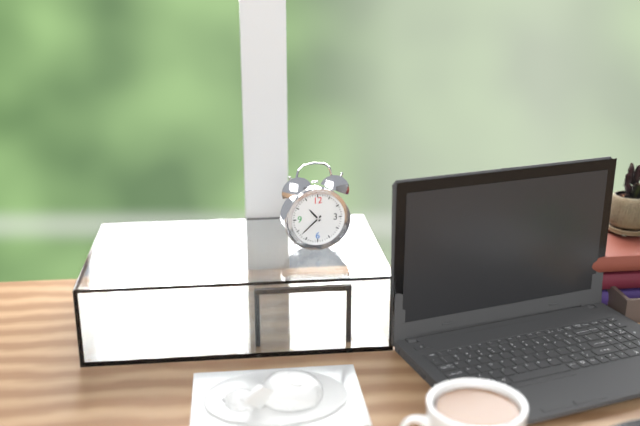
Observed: 10:38
